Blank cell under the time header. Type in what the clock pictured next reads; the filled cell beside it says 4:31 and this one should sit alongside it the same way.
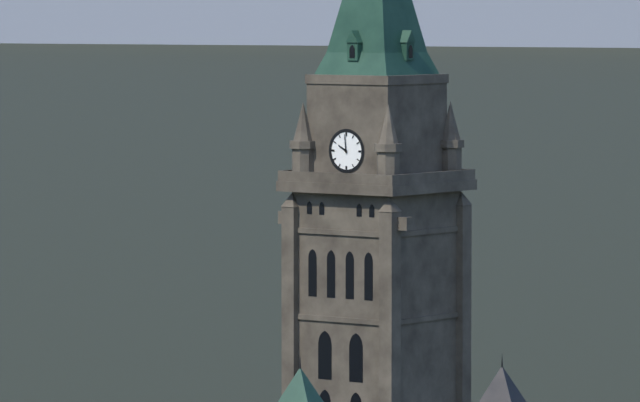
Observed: 9:59
